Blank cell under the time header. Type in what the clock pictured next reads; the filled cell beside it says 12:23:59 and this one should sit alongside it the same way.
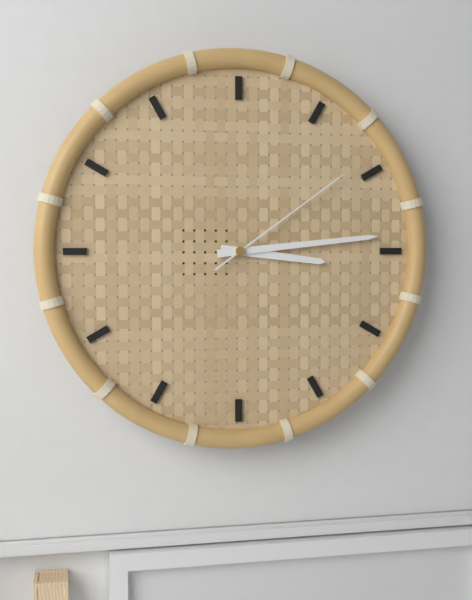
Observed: 3:14:09
